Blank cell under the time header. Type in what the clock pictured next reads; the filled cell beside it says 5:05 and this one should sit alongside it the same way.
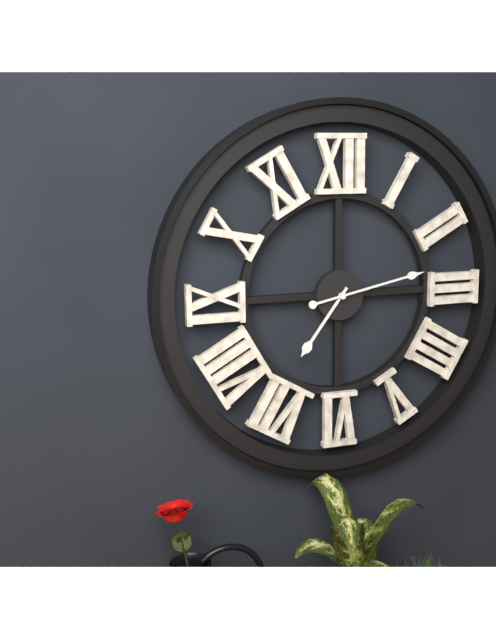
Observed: 7:13
